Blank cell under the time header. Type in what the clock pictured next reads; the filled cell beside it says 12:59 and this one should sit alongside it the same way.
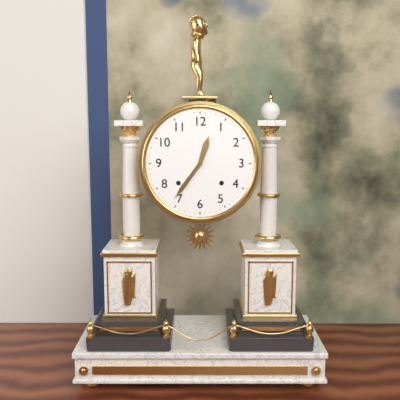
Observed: 12:36
